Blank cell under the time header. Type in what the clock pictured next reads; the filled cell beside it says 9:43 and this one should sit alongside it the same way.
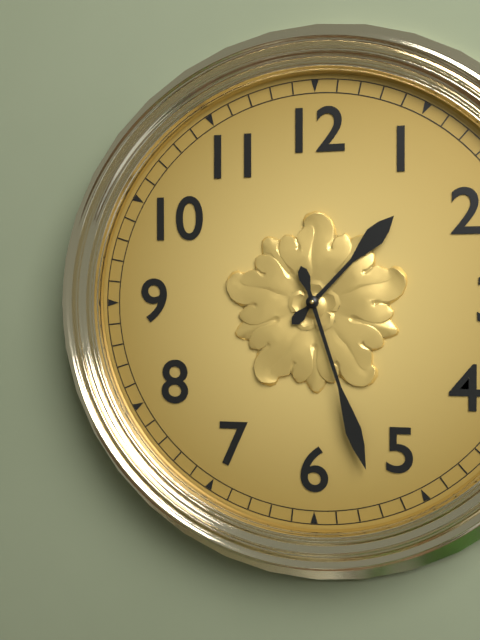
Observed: 1:27
